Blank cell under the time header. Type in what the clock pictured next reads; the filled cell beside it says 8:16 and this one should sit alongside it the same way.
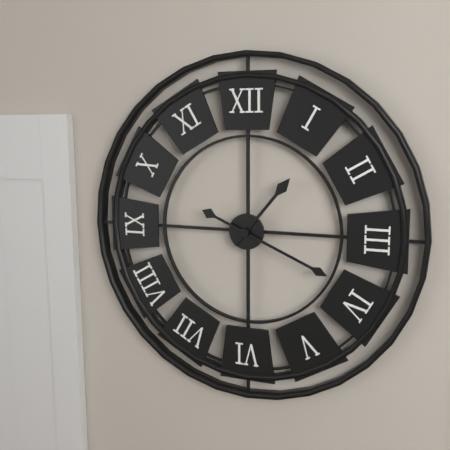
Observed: 1:19
